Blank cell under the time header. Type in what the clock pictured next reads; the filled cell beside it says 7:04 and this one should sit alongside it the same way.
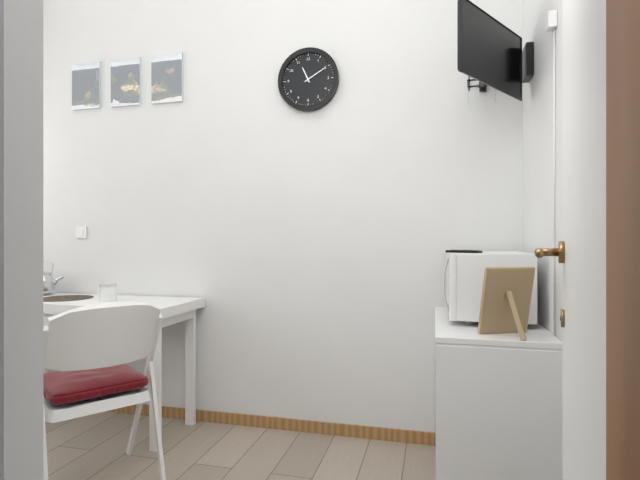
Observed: 11:10
